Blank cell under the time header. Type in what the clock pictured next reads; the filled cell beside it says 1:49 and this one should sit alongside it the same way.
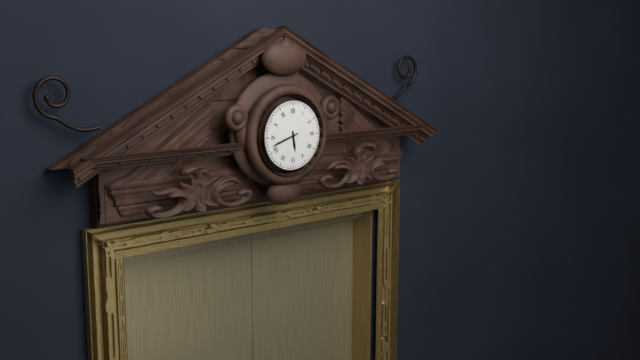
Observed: 5:42
